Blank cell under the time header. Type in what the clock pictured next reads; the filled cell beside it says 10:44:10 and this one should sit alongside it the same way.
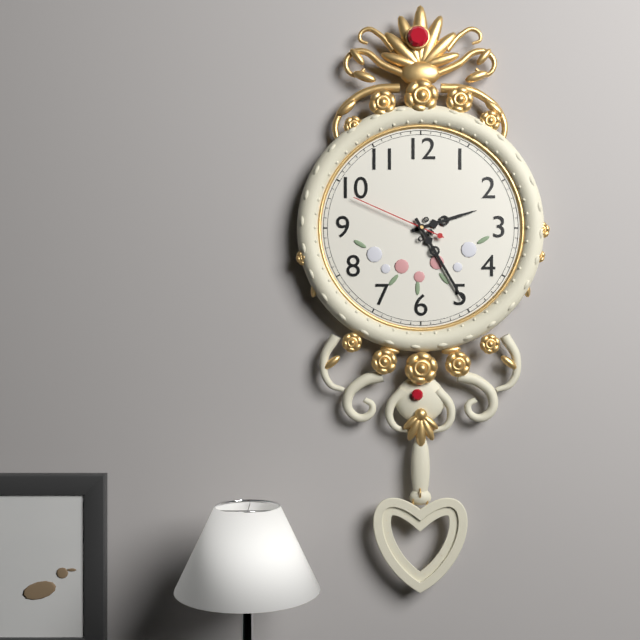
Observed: 2:25:49
